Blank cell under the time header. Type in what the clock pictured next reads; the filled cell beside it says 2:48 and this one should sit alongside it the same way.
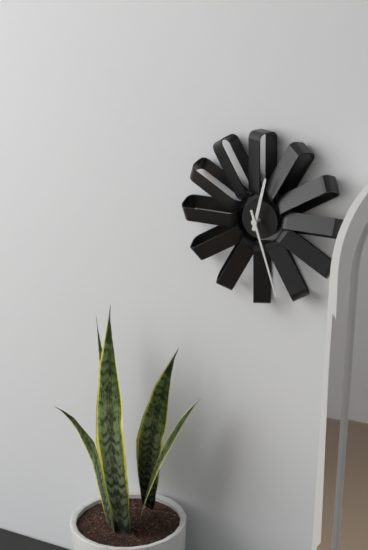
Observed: 12:27
